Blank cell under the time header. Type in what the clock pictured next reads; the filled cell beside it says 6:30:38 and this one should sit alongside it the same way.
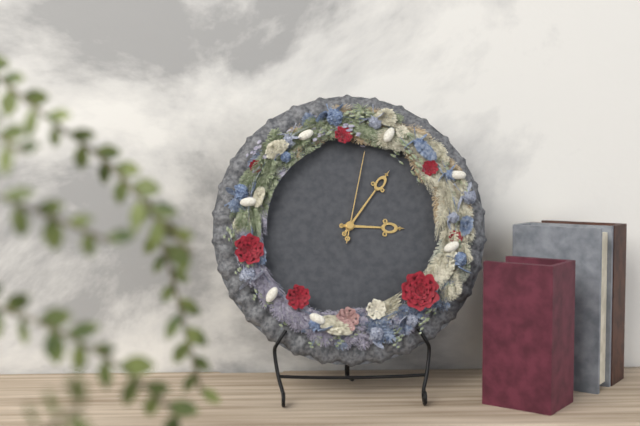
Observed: 3:06:02
